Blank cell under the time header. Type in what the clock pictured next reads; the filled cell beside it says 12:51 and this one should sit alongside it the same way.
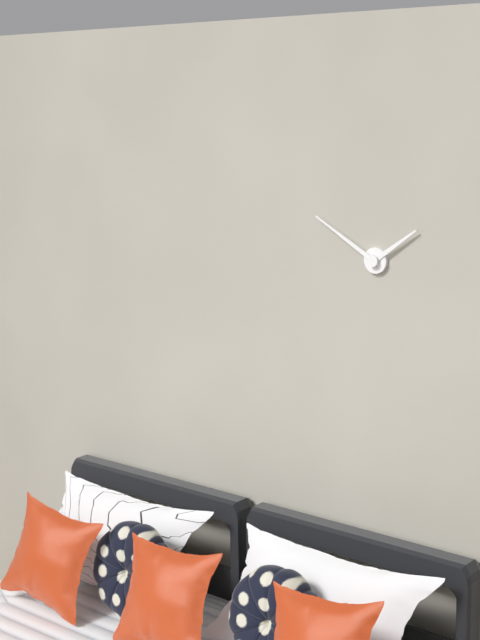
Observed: 1:50
